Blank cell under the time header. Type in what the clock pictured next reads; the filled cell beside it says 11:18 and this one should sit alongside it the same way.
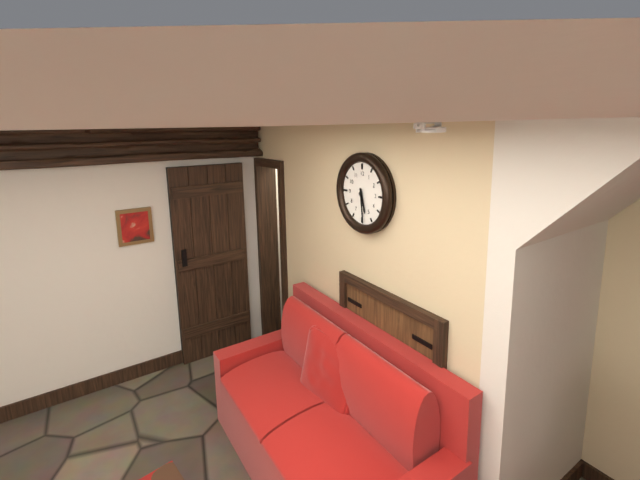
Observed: 5:29
